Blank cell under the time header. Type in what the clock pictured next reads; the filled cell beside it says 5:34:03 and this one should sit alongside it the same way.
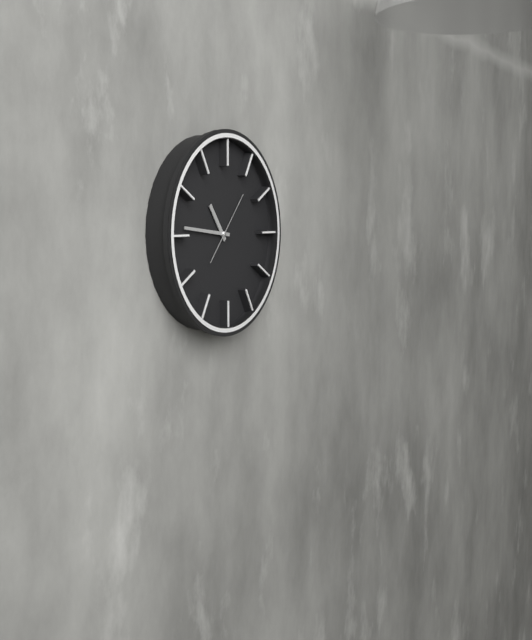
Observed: 10:46:07
